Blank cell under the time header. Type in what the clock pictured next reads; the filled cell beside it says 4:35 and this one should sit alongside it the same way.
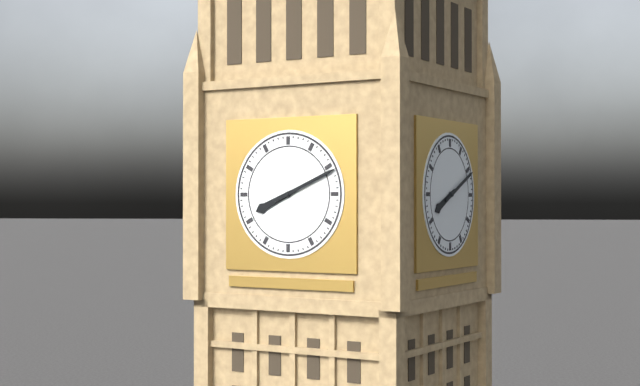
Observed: 8:11
